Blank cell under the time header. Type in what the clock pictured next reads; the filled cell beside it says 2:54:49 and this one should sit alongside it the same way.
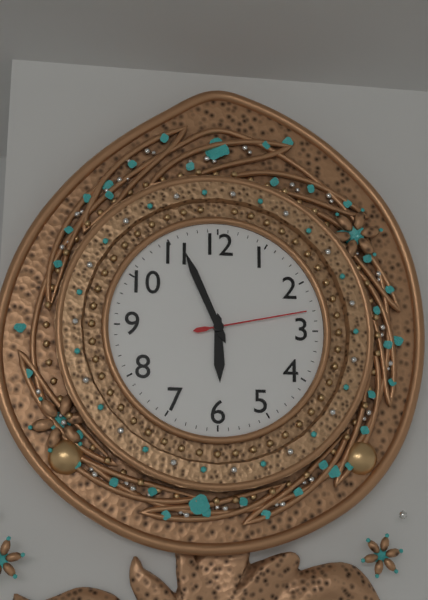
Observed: 5:56:13
